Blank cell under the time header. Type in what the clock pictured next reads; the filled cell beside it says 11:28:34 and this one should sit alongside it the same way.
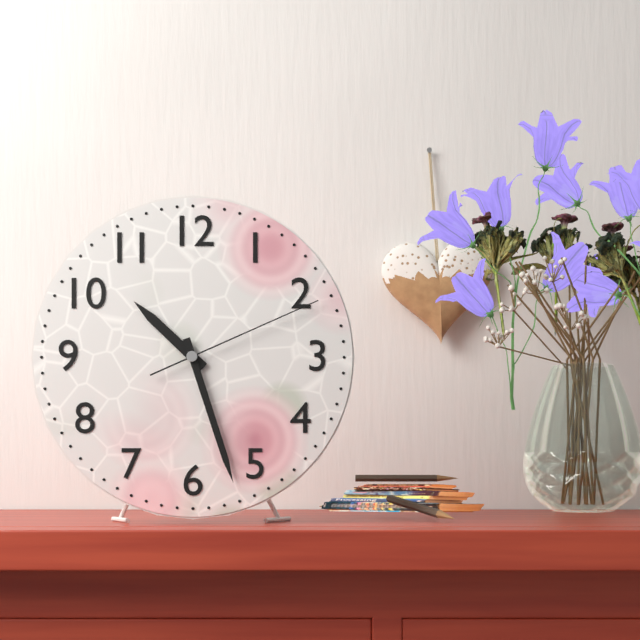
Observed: 10:27:11
